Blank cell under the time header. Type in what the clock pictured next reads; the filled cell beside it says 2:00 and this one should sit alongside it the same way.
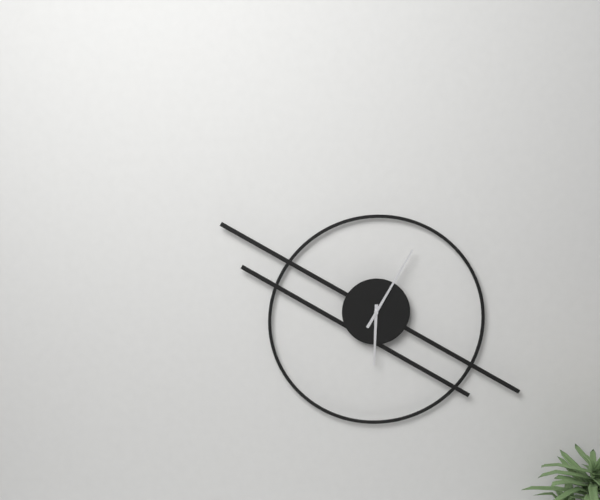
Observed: 6:05
